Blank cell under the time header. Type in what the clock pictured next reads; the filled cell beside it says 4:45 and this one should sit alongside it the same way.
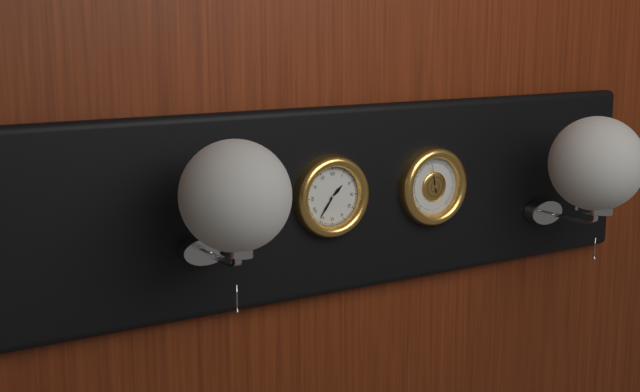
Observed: 1:36
